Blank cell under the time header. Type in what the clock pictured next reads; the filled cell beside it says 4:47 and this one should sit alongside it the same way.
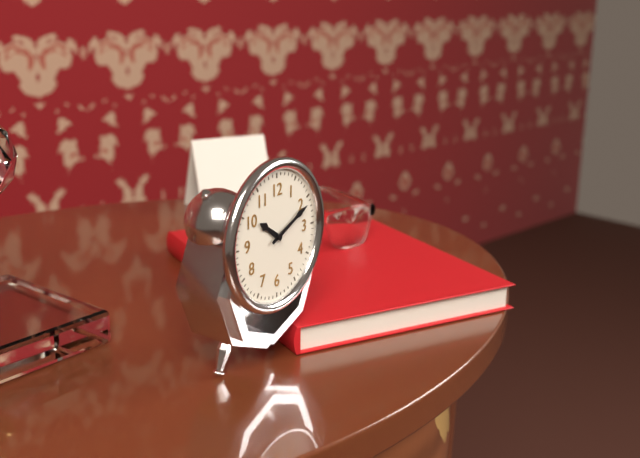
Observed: 10:11
